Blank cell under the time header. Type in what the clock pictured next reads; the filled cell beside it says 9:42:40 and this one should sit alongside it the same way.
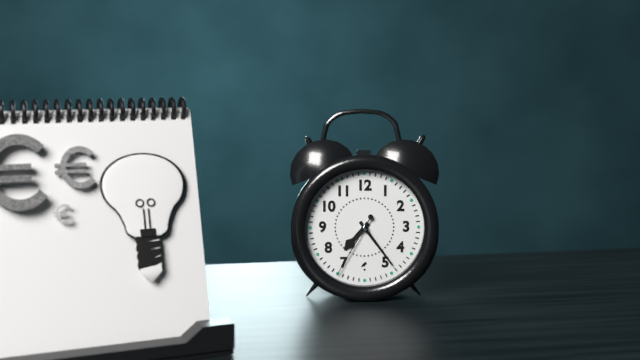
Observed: 7:24:35
